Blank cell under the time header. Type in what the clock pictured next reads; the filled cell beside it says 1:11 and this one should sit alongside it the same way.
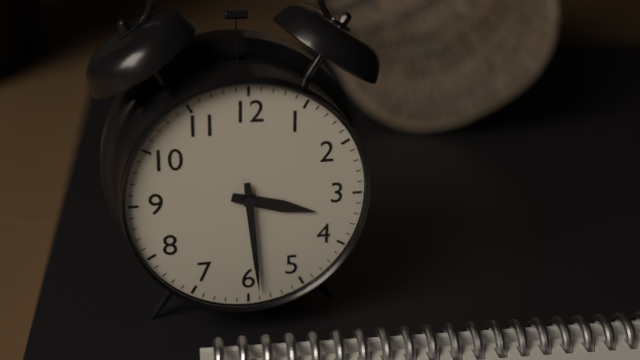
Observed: 3:29
